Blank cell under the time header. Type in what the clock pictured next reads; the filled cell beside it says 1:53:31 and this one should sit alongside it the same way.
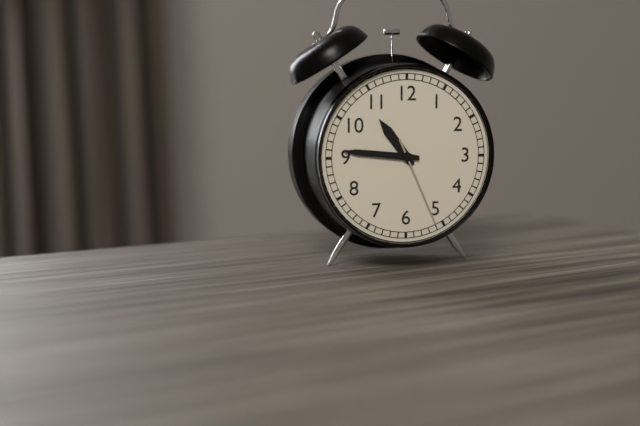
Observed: 10:46:26
